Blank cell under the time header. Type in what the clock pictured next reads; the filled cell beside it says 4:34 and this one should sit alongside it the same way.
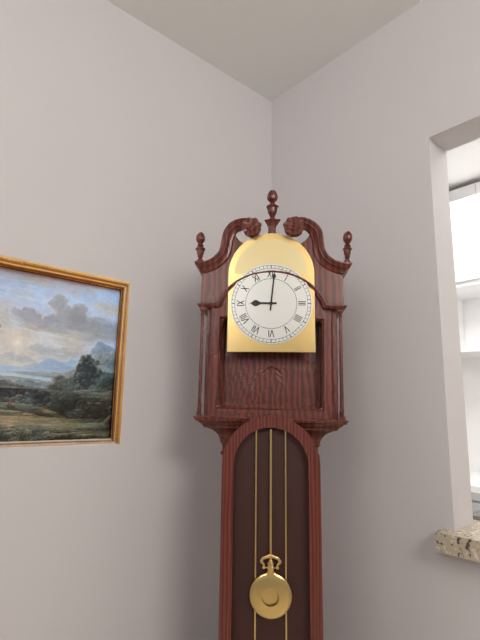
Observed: 9:01
